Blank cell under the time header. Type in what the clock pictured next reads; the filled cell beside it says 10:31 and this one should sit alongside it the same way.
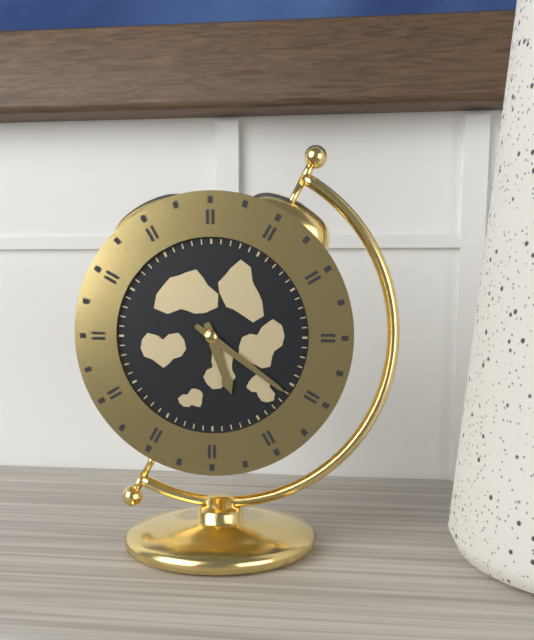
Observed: 5:21
